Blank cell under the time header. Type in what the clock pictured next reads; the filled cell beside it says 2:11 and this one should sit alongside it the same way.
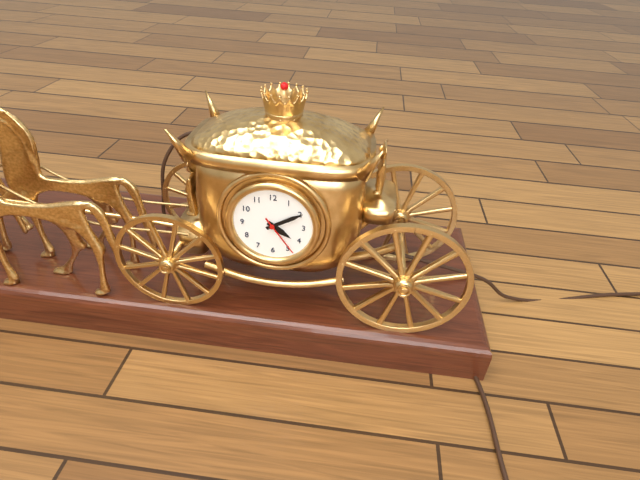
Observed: 4:10
